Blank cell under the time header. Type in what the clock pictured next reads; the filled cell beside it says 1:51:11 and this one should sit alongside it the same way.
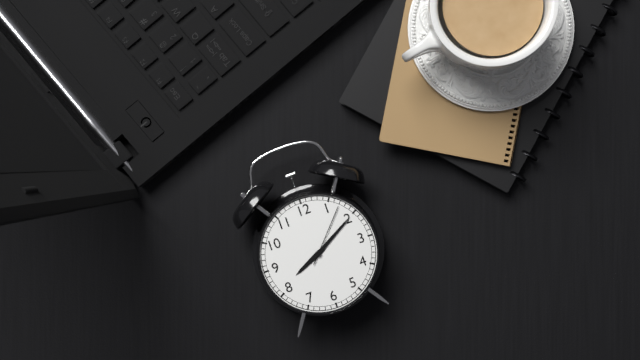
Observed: 8:10:07
